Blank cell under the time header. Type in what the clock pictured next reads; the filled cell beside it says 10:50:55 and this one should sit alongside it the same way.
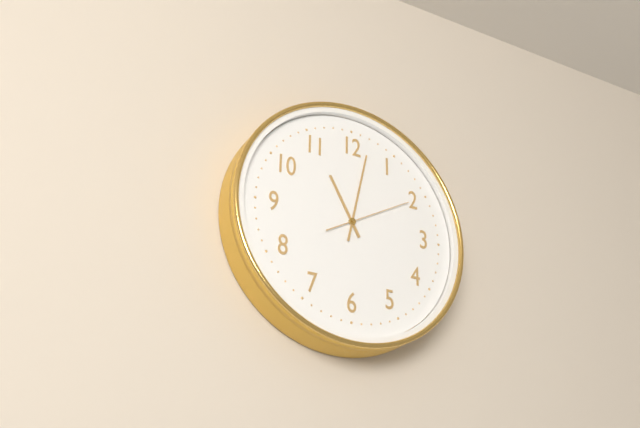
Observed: 11:02:10
